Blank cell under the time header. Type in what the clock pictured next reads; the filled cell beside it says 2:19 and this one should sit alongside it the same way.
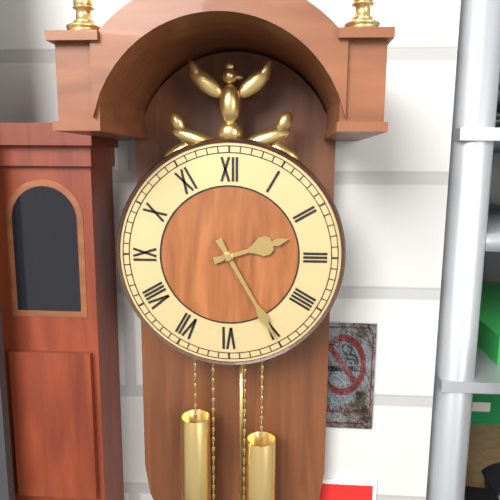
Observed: 2:25
